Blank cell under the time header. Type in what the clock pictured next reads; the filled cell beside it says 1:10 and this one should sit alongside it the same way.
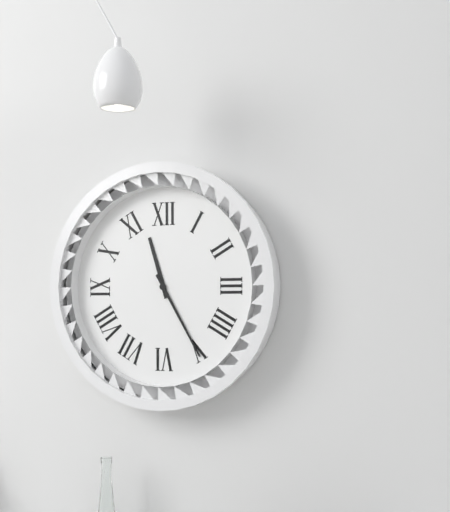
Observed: 11:25
